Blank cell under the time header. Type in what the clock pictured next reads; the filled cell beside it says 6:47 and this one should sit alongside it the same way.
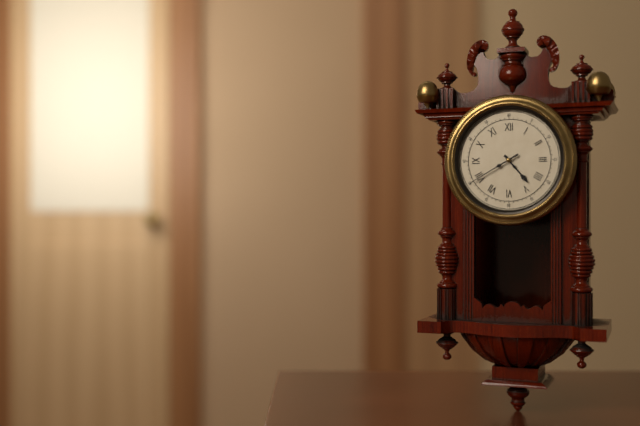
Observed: 4:40
